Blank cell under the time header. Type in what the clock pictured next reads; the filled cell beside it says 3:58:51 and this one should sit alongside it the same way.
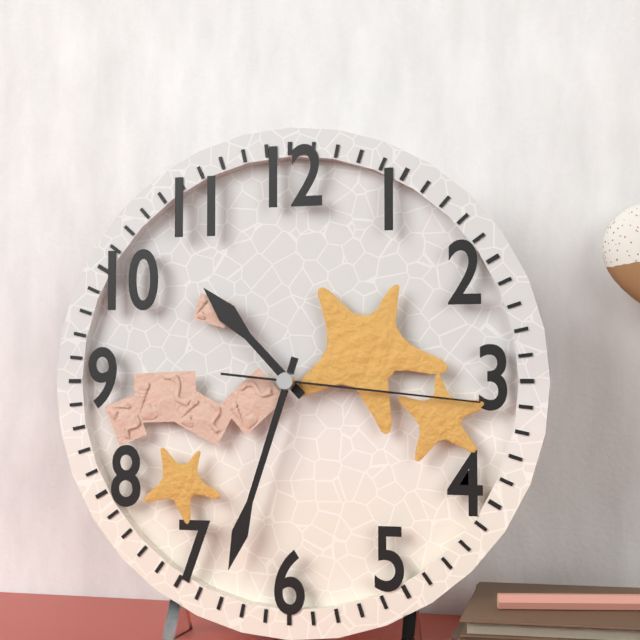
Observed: 10:33:16
